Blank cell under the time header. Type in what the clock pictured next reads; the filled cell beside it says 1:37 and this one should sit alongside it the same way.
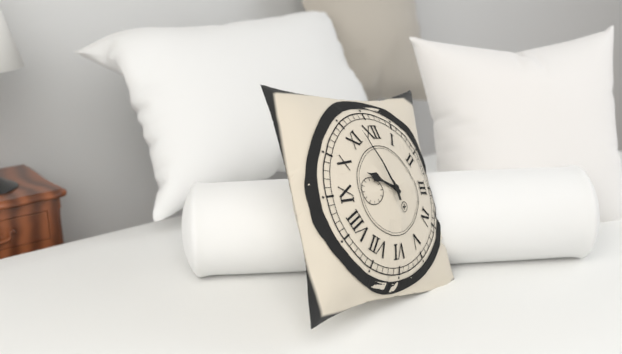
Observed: 9:57
